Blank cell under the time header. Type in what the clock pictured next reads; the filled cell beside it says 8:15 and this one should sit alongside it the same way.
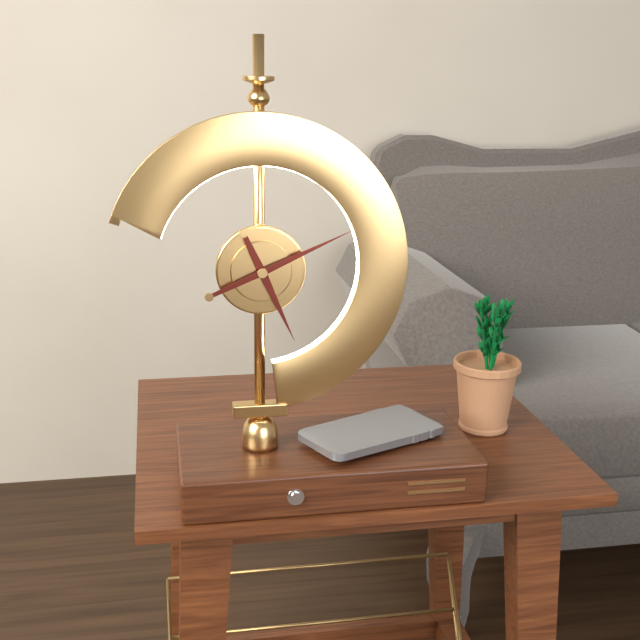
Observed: 5:11
